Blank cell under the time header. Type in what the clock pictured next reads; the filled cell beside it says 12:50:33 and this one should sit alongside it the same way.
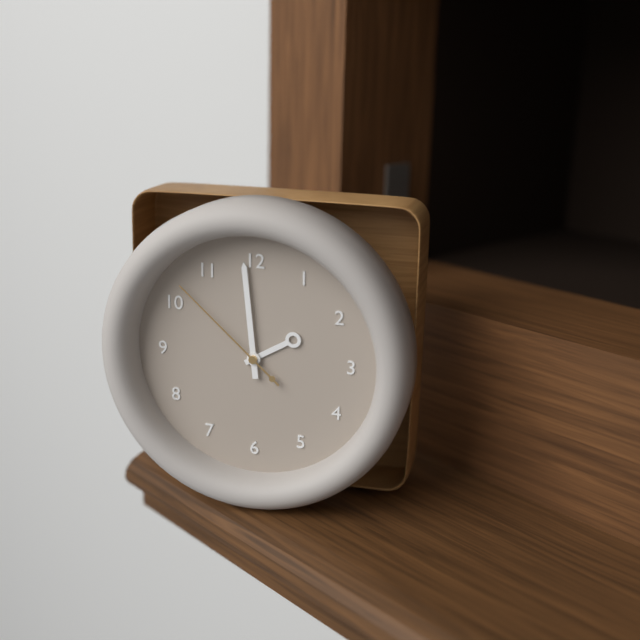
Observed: 1:59:52
